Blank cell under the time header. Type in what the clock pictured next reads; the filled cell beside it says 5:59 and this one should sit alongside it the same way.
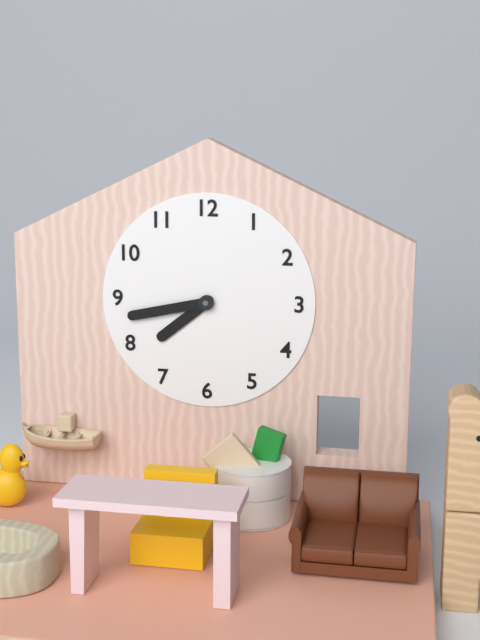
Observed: 7:43
